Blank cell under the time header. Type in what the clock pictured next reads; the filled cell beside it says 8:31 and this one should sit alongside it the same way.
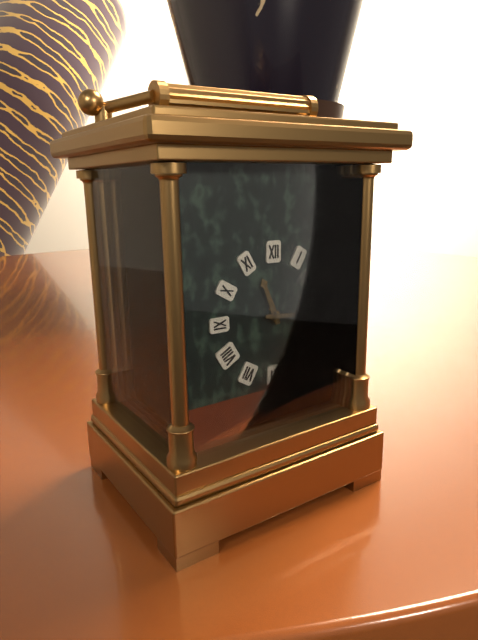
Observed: 11:16
